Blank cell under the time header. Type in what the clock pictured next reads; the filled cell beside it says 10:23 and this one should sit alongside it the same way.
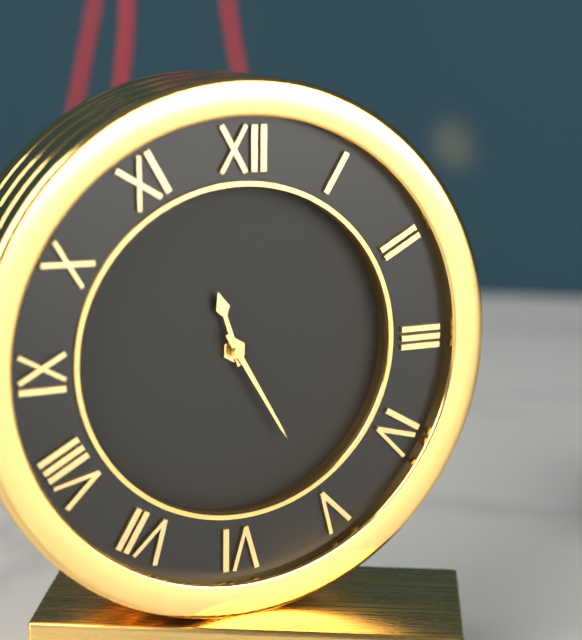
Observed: 11:25
